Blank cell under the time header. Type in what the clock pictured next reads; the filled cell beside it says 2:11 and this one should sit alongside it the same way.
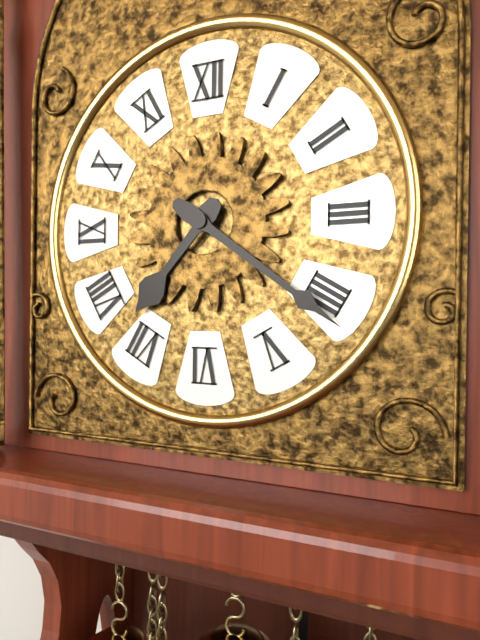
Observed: 7:21
